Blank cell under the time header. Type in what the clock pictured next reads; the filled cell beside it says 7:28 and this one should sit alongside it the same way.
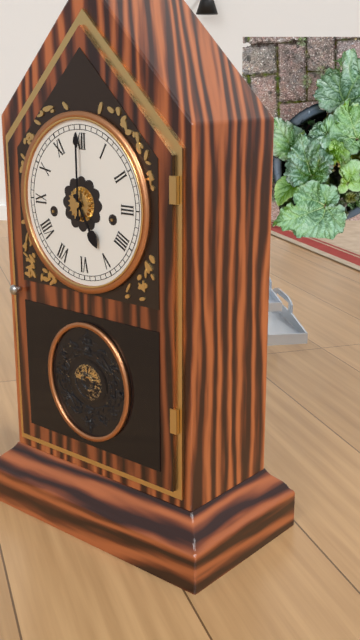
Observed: 5:00
